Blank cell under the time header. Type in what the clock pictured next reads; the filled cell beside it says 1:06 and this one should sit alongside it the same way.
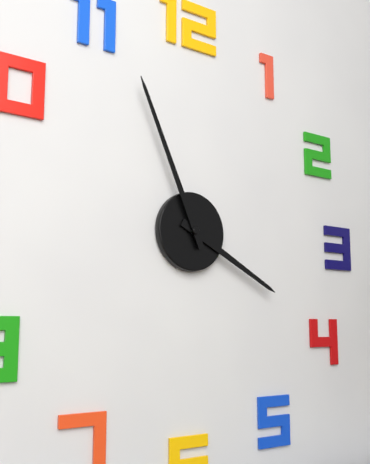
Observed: 3:56
